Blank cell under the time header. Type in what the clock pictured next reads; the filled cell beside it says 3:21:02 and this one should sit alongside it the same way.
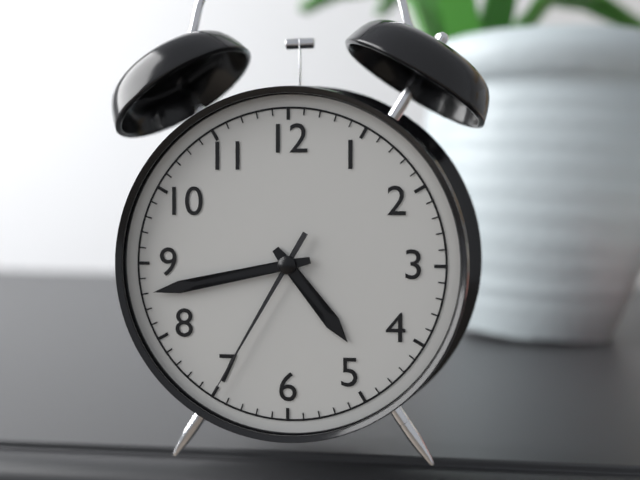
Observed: 4:43:35
